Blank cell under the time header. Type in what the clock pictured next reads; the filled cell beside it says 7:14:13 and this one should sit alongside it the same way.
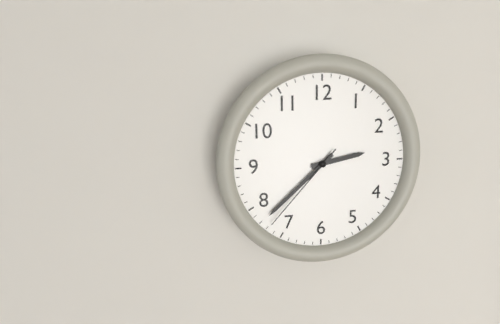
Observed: 2:38:37
